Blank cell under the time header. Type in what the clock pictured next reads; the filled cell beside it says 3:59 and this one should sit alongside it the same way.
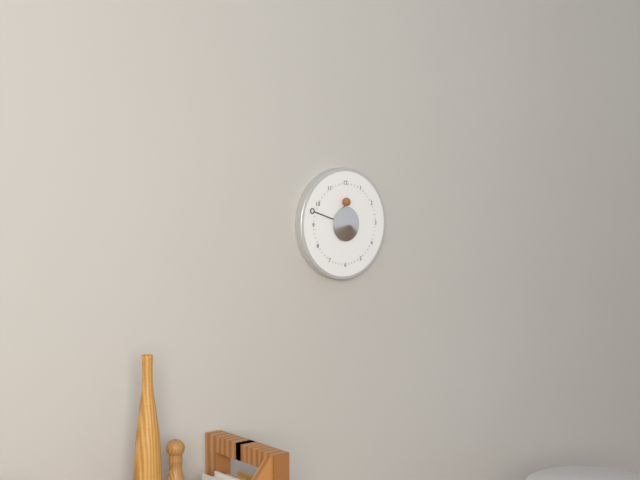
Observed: 11:48
